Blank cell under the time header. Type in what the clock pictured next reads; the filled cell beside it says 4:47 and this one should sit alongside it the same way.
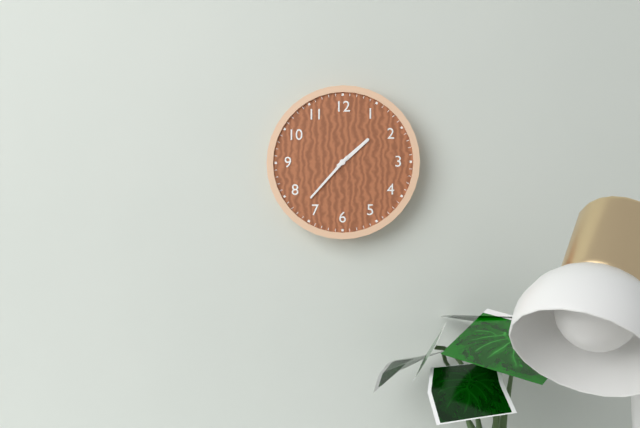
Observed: 1:37
